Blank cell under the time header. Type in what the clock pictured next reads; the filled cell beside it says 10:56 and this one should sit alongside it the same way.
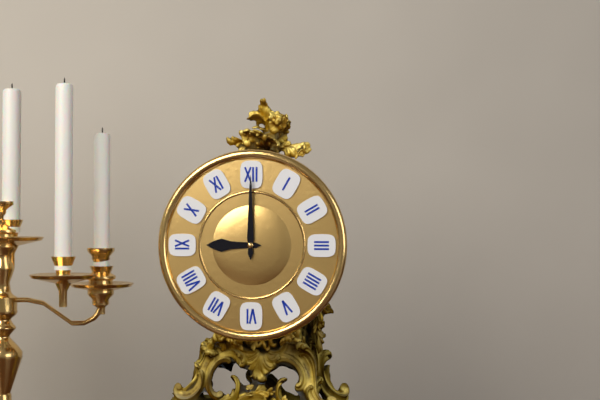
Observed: 9:00
